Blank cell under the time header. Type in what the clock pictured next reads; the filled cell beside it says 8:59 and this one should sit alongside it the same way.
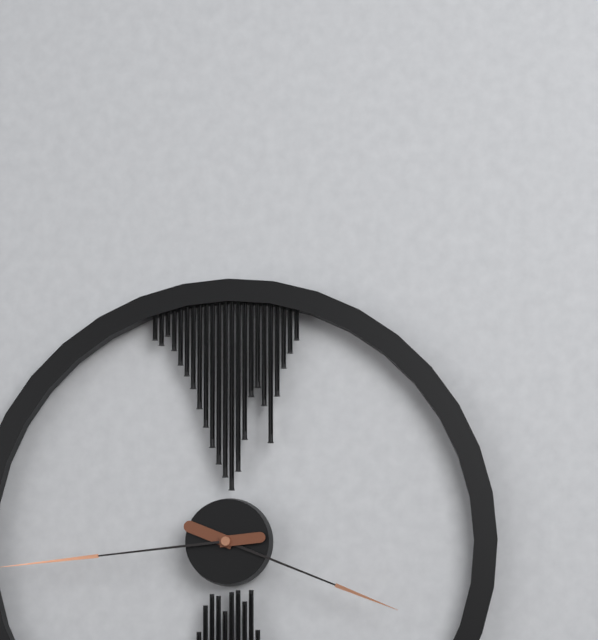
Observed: 3:44
